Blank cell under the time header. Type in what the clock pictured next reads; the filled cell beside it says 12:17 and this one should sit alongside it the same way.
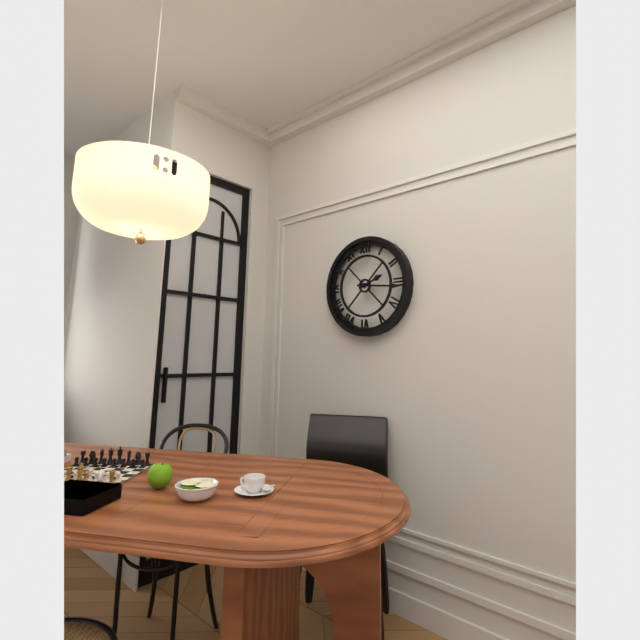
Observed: 2:16
